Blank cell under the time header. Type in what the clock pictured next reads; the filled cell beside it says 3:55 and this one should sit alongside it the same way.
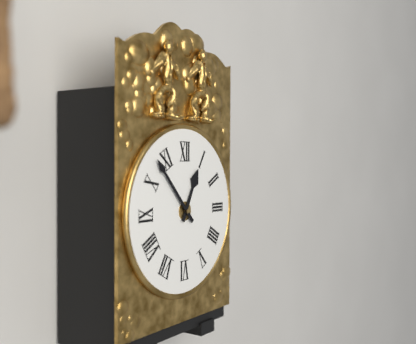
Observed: 12:53
